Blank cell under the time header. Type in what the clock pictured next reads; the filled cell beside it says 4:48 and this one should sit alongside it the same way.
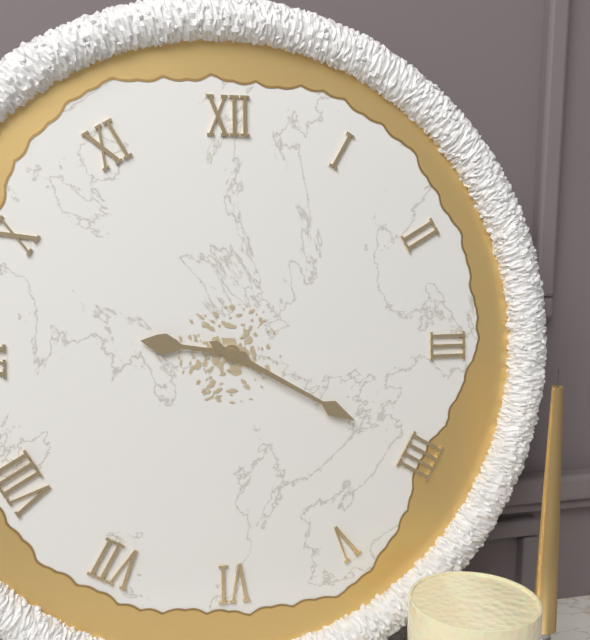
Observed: 9:20
